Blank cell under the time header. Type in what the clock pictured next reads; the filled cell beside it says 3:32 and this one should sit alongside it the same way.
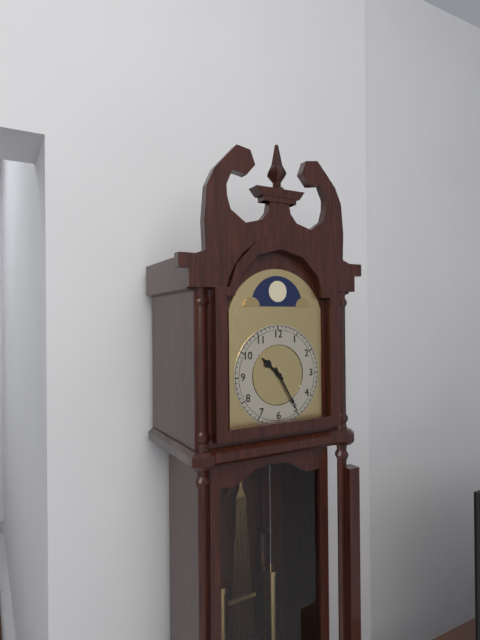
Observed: 10:25
